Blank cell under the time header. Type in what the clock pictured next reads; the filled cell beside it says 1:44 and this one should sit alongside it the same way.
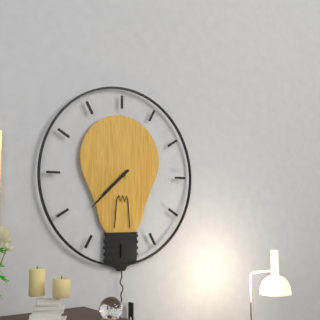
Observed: 7:38
